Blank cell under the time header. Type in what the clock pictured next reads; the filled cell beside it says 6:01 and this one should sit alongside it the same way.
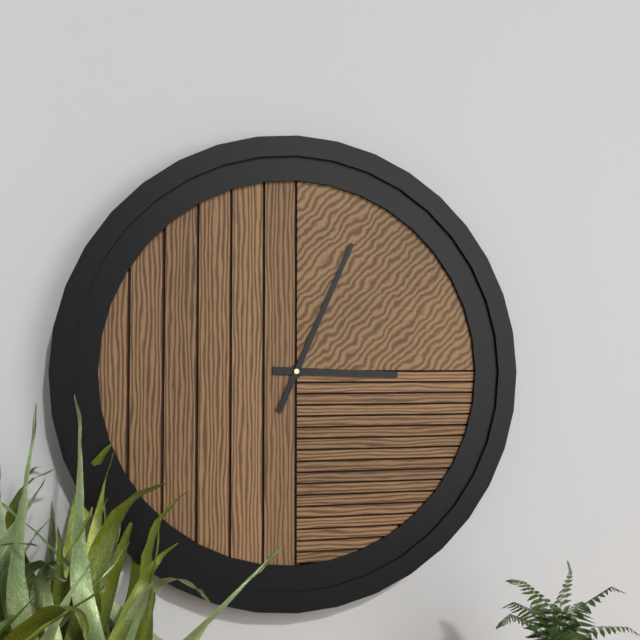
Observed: 3:04
